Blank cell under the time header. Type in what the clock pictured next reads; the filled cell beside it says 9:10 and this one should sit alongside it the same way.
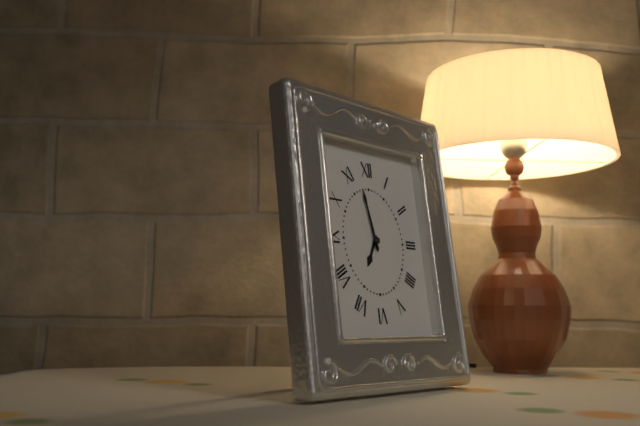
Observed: 6:58
